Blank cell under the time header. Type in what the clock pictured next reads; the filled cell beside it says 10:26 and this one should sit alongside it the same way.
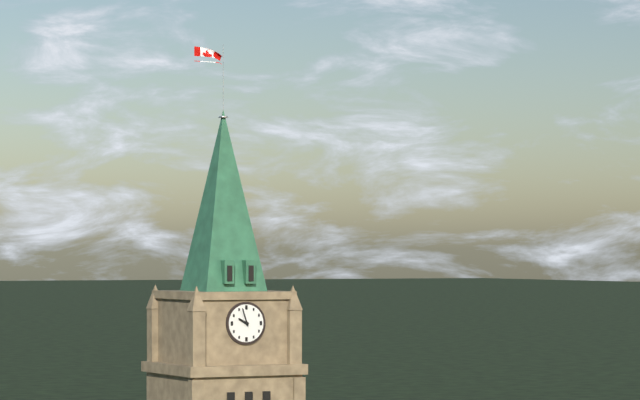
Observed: 9:57
